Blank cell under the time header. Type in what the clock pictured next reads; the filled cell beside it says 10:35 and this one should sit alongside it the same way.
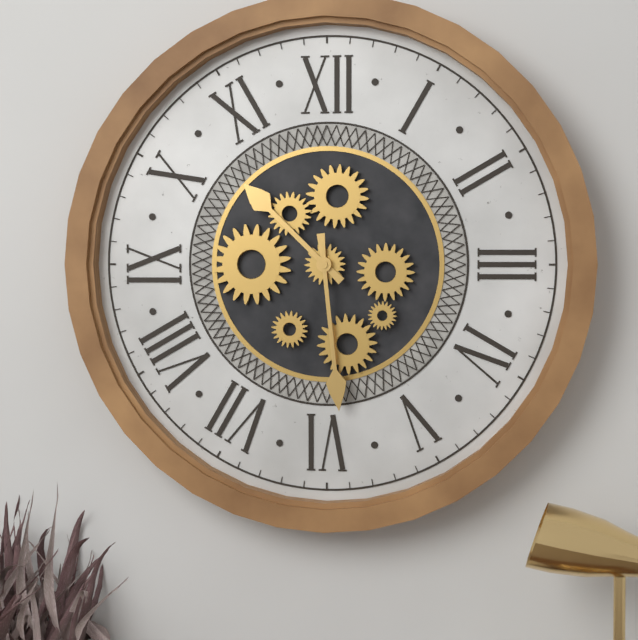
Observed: 10:29
